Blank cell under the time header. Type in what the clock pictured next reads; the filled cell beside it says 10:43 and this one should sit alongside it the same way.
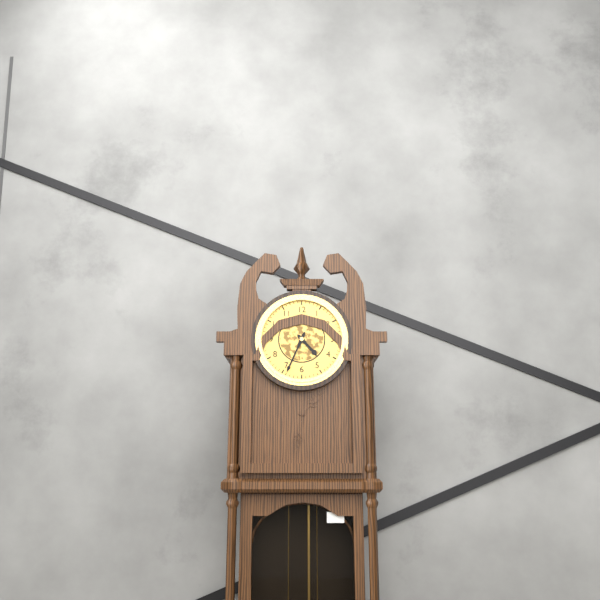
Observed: 4:34
